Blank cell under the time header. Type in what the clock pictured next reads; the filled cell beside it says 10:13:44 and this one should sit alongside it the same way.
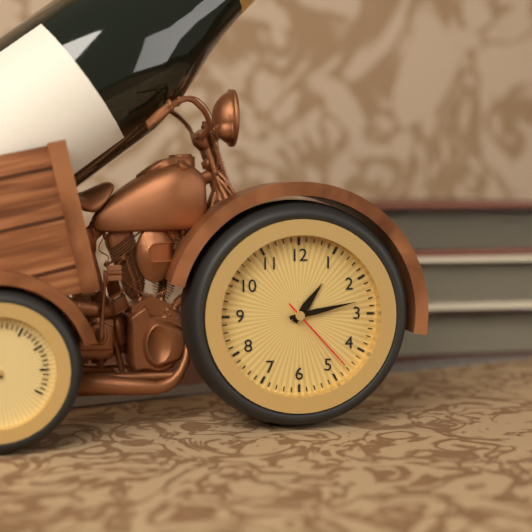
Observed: 1:13:23
